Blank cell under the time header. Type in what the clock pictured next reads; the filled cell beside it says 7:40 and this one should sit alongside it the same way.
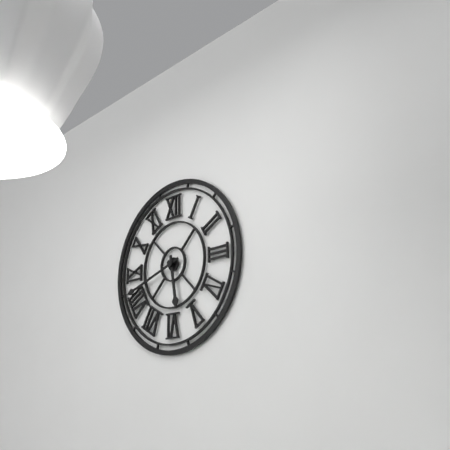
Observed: 5:42
